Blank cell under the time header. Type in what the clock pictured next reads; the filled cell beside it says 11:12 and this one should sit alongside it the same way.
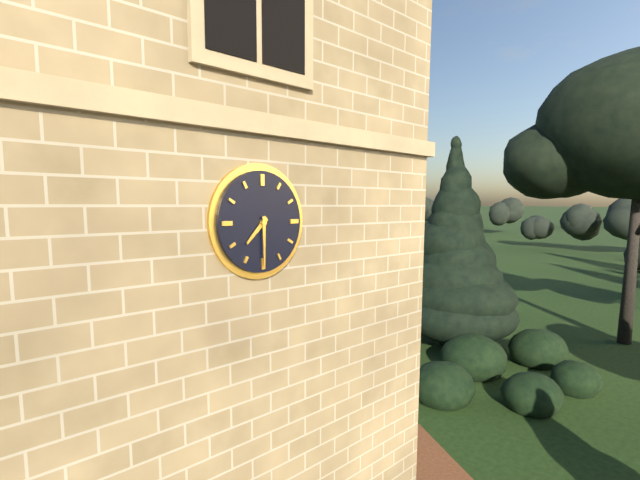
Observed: 7:30
